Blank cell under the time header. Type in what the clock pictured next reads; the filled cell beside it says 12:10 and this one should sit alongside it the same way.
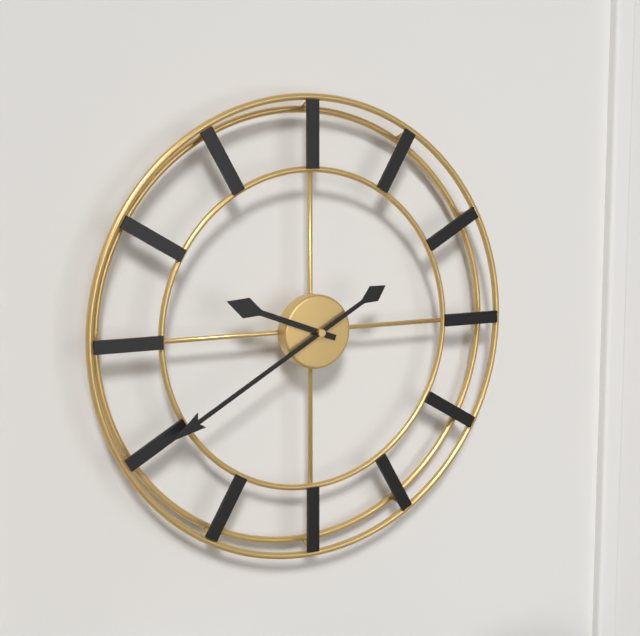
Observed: 9:40
